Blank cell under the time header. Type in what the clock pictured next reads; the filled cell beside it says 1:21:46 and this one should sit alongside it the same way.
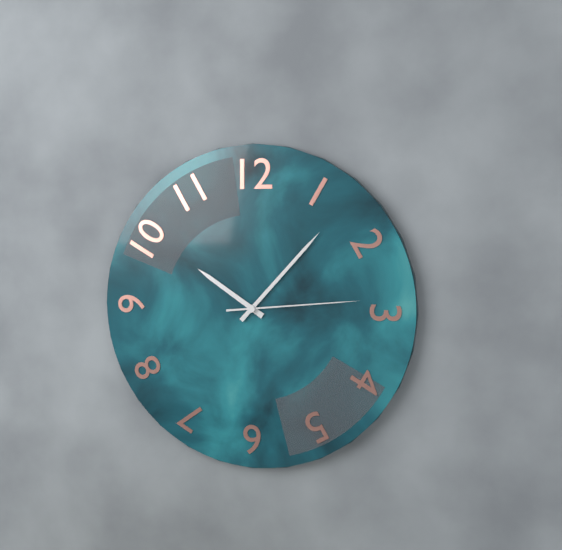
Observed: 10:07:14
